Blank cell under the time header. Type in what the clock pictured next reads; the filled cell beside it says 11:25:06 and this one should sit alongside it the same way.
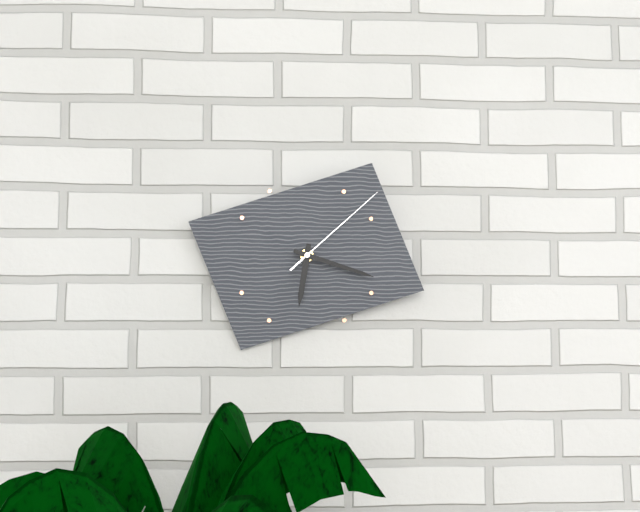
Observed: 6:18:08
